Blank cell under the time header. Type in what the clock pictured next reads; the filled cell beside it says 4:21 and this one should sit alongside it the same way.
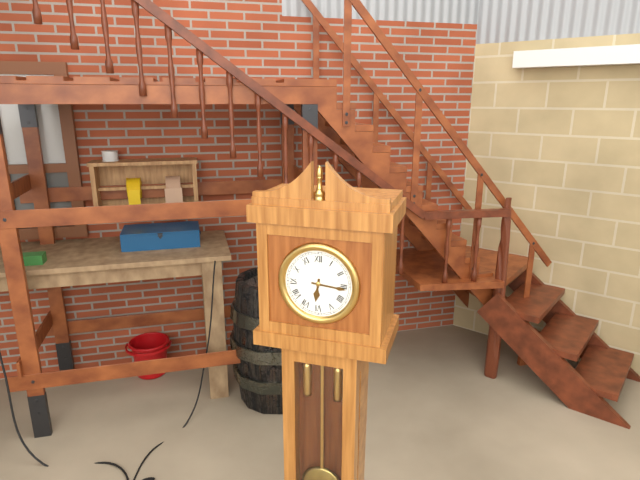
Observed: 6:16
